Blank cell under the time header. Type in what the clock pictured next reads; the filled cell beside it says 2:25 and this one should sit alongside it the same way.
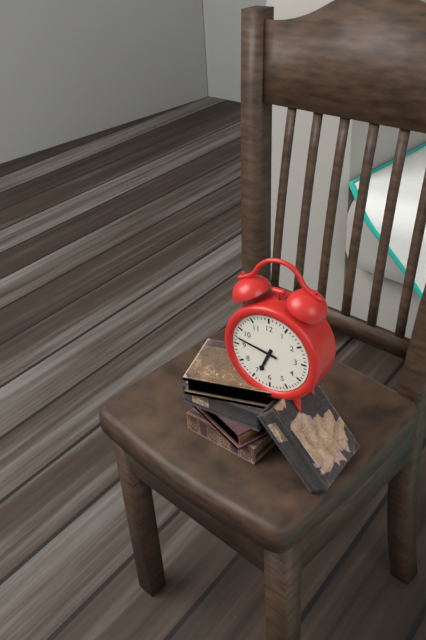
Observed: 6:47
